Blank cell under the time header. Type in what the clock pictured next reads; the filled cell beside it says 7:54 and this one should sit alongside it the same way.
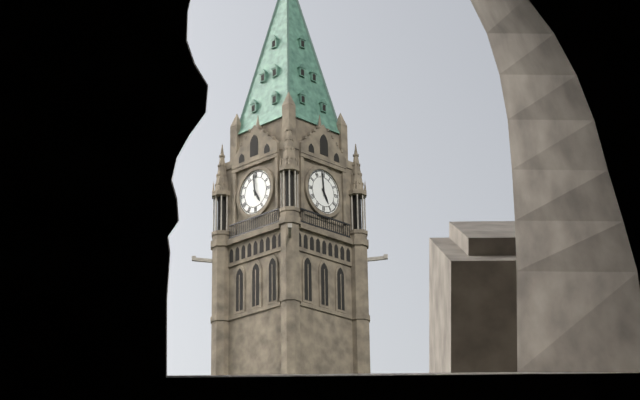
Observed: 4:59
